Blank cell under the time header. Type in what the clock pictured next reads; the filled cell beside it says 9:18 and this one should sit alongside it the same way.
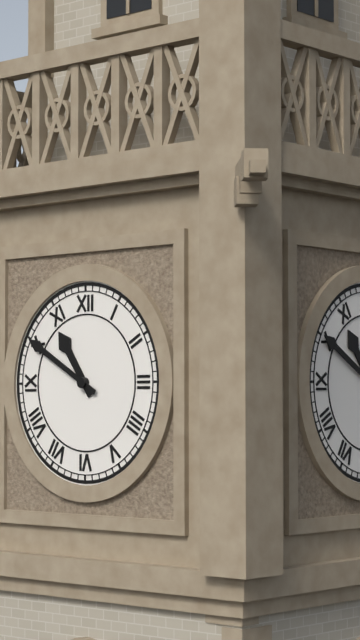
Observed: 10:50
